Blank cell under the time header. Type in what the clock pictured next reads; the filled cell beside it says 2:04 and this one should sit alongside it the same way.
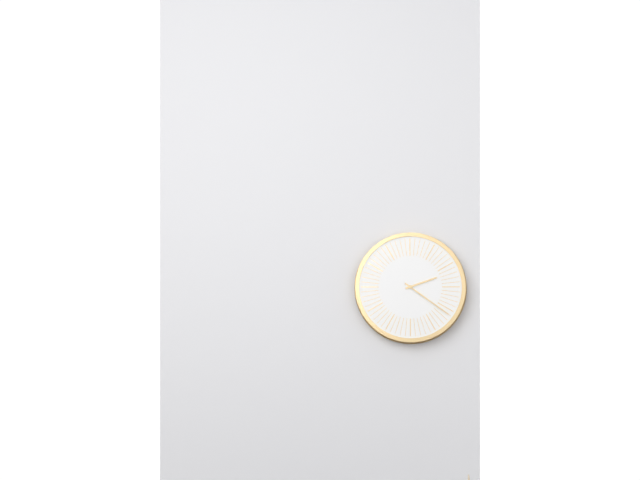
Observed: 2:21
